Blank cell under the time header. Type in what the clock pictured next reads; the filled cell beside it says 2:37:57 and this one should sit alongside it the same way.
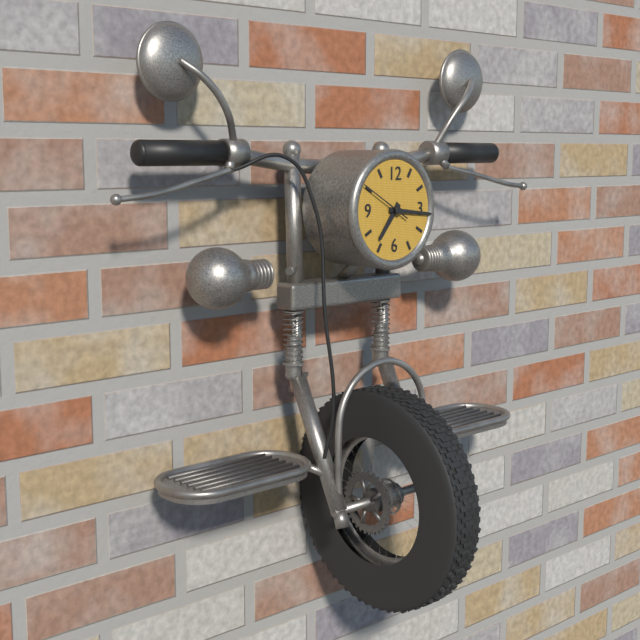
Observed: 7:16:50
